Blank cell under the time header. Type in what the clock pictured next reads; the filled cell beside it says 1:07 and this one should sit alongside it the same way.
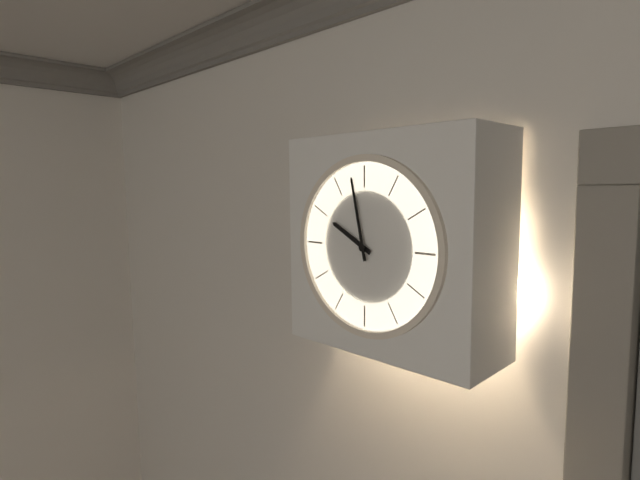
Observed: 9:58
